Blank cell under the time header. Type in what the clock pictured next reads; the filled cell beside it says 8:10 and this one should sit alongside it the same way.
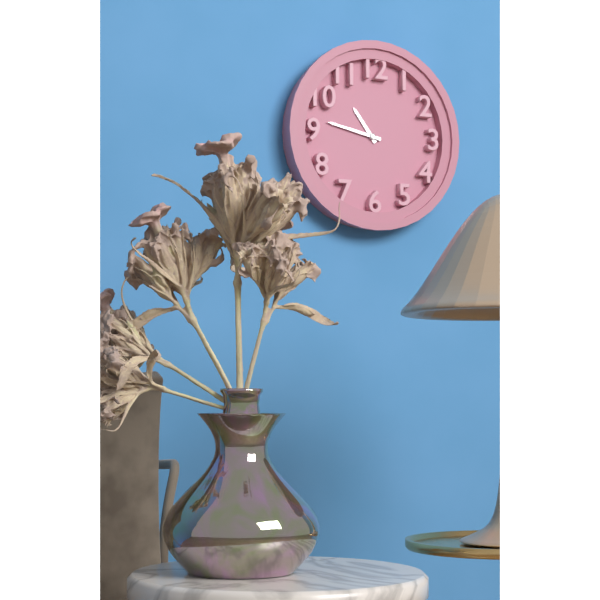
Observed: 10:47
